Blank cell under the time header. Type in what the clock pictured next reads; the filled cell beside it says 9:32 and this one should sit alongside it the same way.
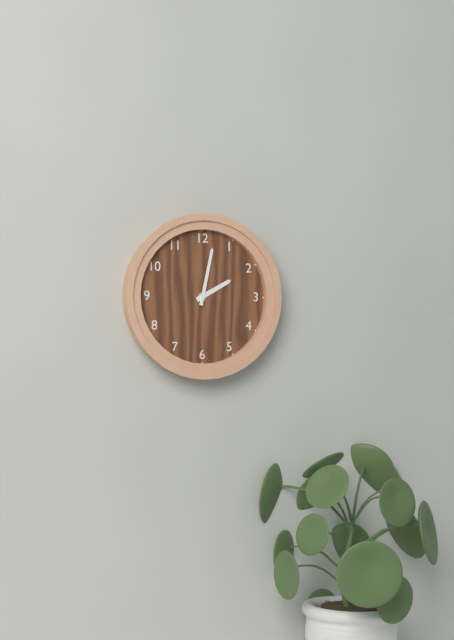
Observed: 2:02
